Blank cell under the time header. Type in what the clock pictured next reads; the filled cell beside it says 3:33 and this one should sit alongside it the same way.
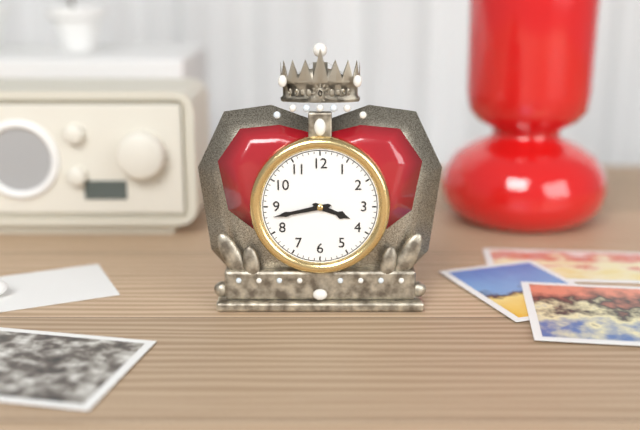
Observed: 3:43
